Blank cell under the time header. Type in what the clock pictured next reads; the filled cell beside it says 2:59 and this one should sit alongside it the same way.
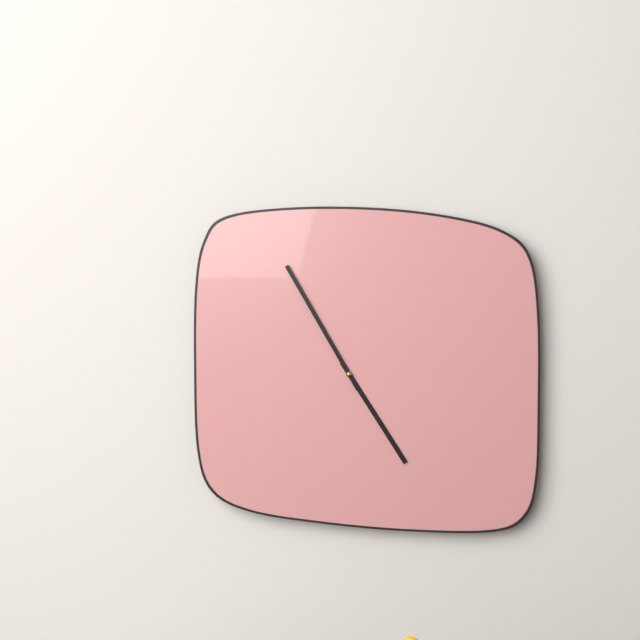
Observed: 4:55
